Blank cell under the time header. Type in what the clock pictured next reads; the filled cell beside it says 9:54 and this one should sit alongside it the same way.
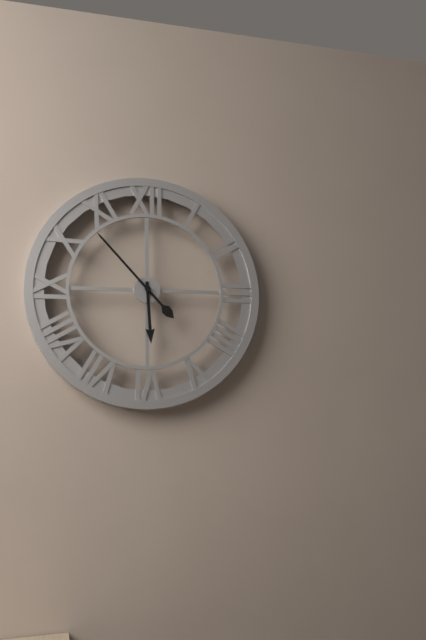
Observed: 5:53
